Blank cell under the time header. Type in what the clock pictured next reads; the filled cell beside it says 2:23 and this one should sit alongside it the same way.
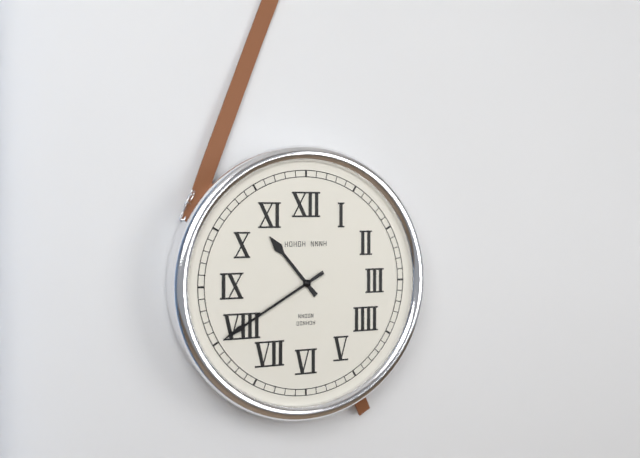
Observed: 10:40
